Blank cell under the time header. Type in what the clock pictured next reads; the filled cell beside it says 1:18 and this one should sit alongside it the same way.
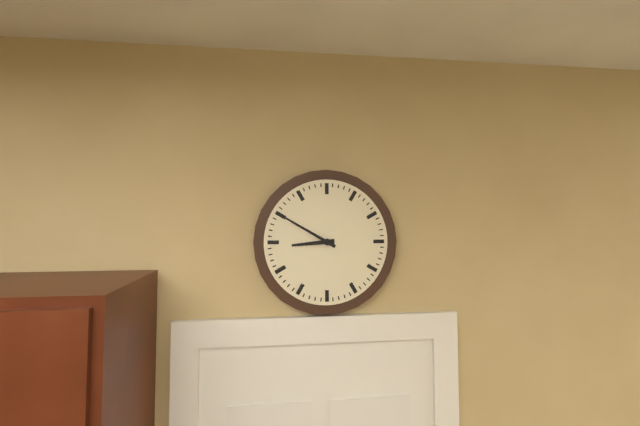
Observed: 8:50
